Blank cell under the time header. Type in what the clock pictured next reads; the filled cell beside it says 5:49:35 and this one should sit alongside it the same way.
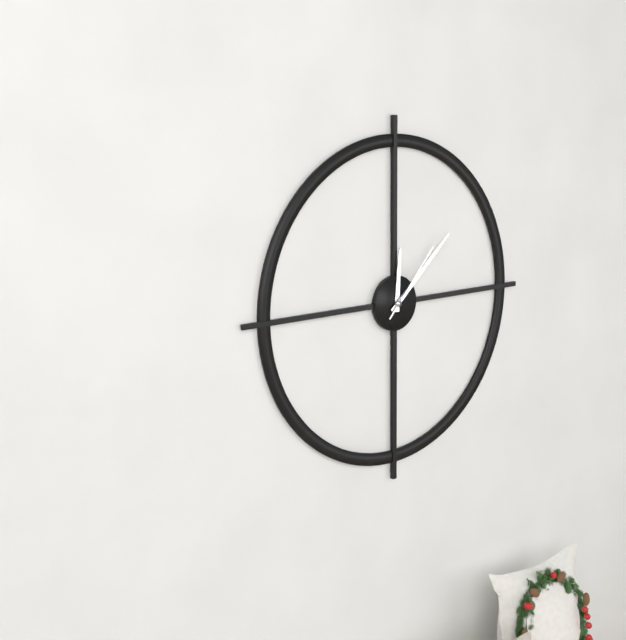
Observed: 12:08:07
